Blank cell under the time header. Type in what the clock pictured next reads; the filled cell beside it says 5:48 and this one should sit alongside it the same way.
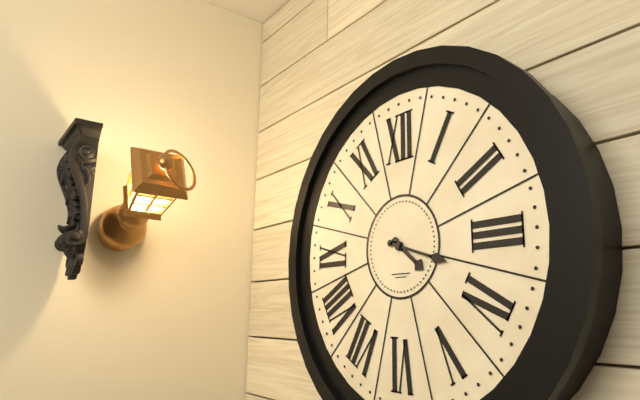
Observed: 4:18
